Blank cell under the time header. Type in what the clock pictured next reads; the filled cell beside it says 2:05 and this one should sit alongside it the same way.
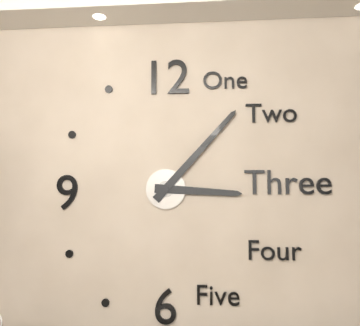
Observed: 3:07
